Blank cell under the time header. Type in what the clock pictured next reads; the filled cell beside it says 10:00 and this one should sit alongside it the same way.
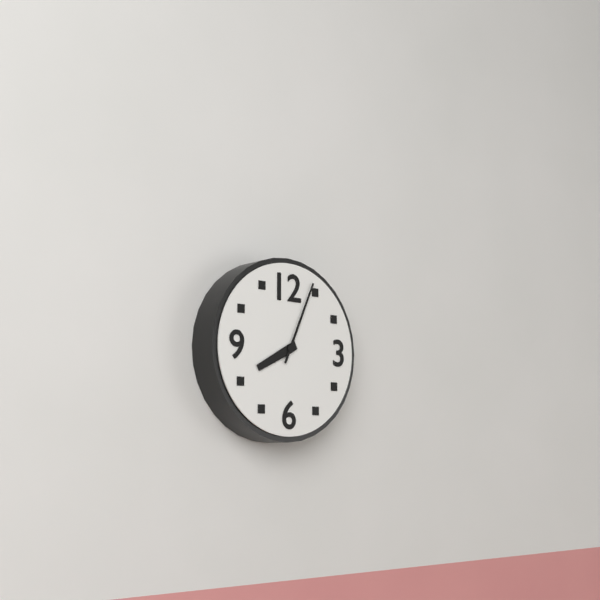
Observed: 8:04
